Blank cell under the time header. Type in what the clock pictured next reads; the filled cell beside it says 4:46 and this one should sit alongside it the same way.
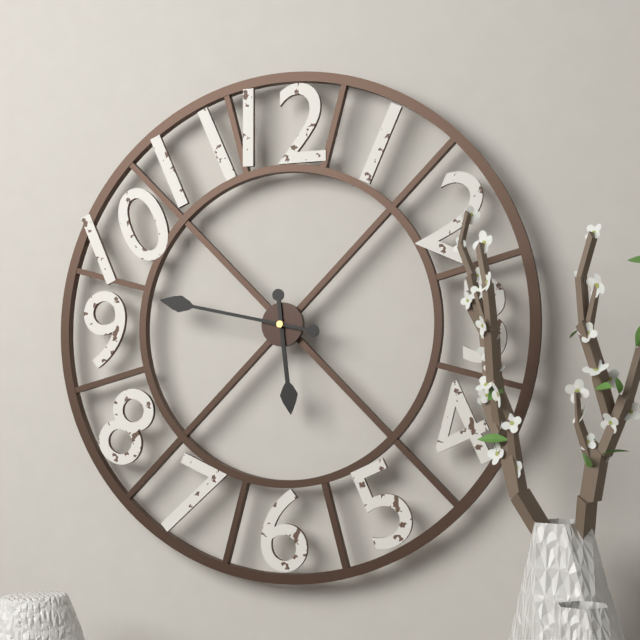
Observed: 5:47
